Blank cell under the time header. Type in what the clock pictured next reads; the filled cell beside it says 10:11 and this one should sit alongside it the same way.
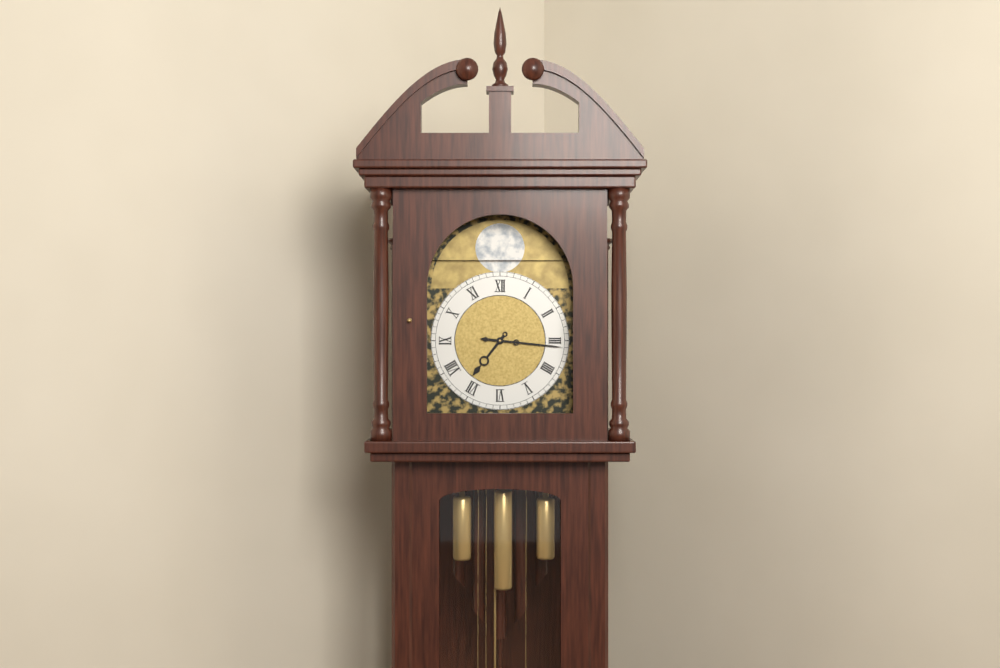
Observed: 7:16
